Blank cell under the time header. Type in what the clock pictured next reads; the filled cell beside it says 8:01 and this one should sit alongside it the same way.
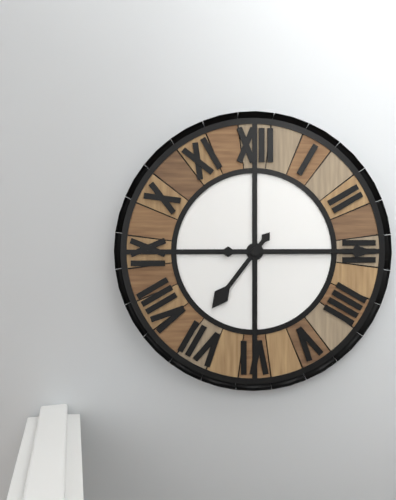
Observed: 7:15
